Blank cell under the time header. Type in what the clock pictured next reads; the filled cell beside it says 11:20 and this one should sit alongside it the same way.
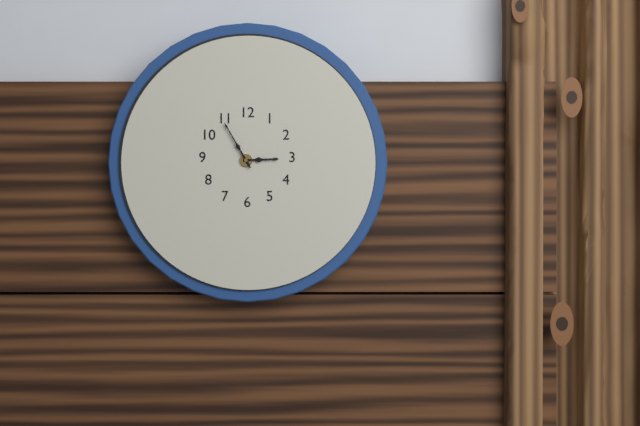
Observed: 2:55
